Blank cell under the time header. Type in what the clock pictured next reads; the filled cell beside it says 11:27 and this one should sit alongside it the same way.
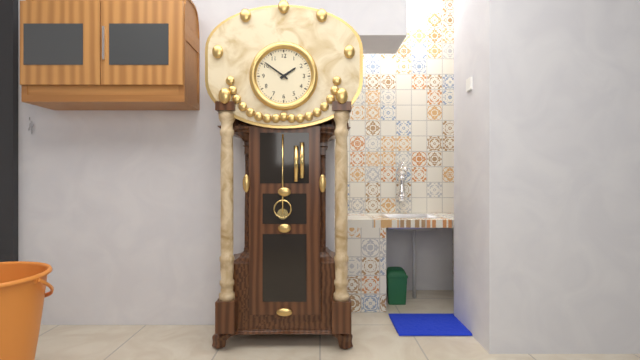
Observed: 1:51
